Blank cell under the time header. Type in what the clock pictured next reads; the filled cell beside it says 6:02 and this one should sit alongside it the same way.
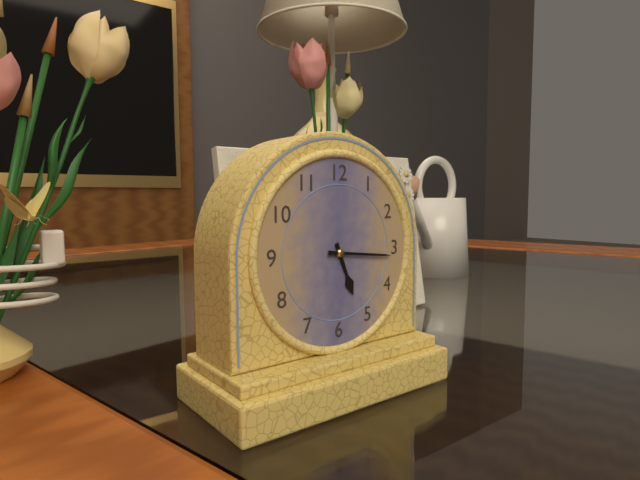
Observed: 5:16
